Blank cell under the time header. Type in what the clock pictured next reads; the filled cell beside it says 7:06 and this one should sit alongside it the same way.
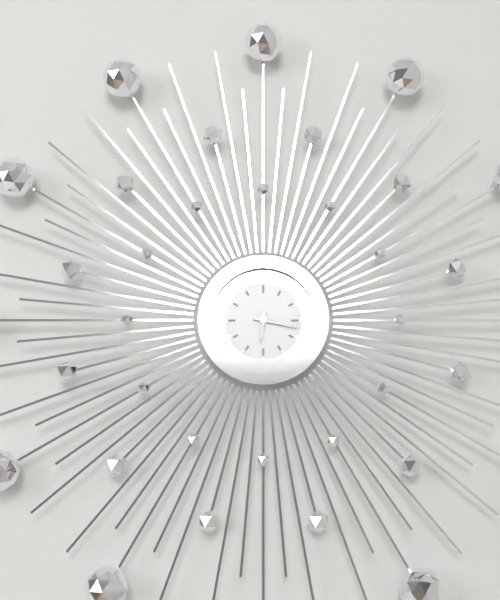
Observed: 6:17
